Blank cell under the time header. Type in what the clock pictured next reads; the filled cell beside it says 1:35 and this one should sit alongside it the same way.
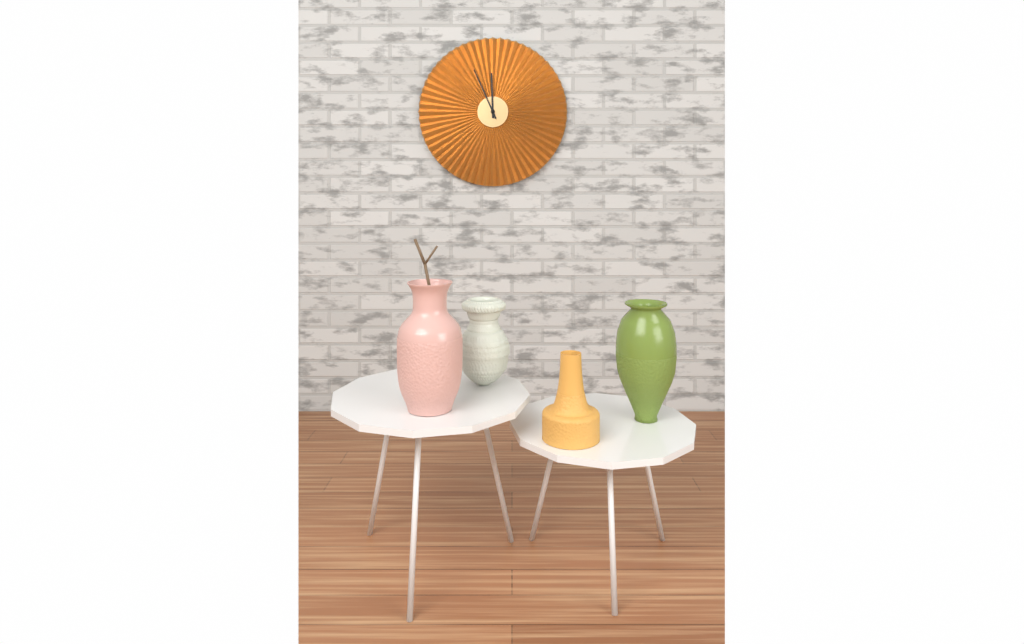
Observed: 11:56
